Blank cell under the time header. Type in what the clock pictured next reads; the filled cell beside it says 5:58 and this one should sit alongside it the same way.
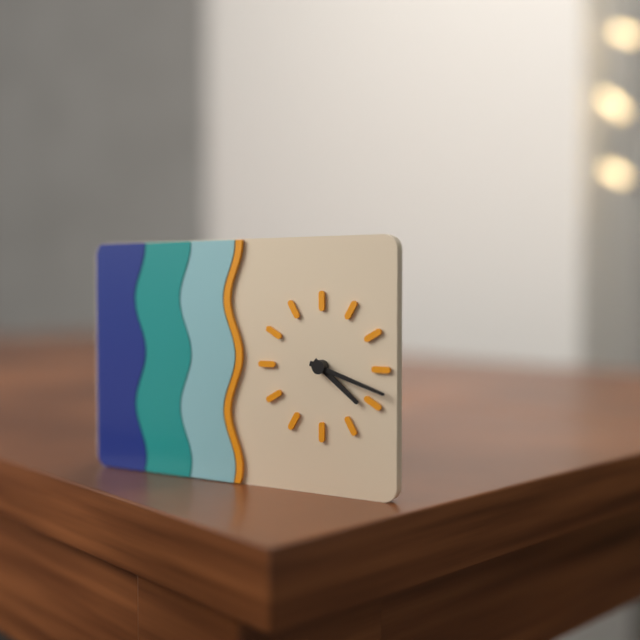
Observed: 4:18
